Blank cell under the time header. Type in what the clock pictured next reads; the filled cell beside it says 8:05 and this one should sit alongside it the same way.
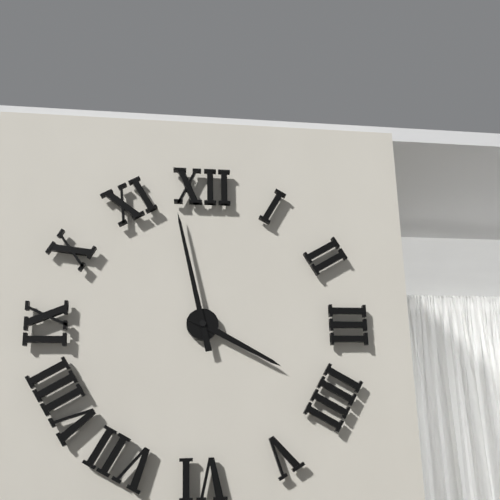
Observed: 3:58
